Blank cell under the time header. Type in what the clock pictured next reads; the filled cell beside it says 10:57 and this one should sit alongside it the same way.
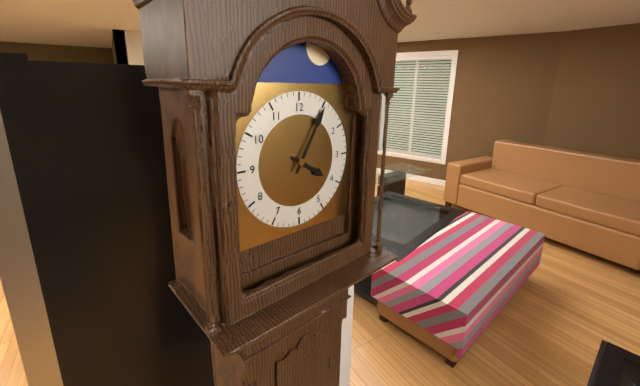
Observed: 4:05
